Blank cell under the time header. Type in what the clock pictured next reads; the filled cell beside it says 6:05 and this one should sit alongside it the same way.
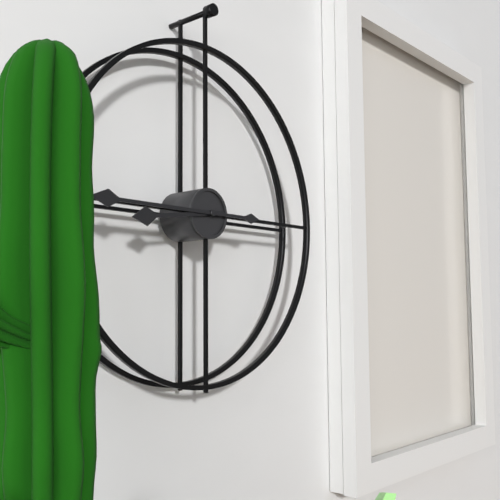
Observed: 8:45
